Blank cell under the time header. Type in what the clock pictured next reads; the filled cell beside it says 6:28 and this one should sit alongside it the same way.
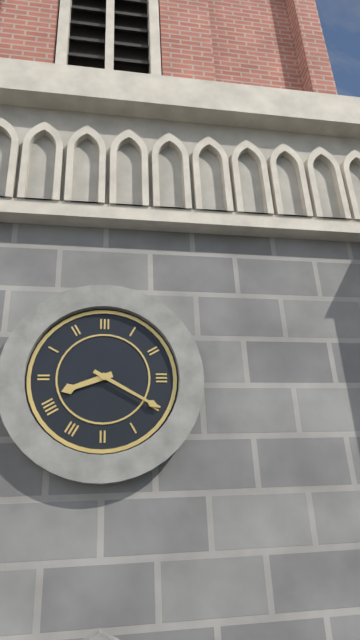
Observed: 8:20
